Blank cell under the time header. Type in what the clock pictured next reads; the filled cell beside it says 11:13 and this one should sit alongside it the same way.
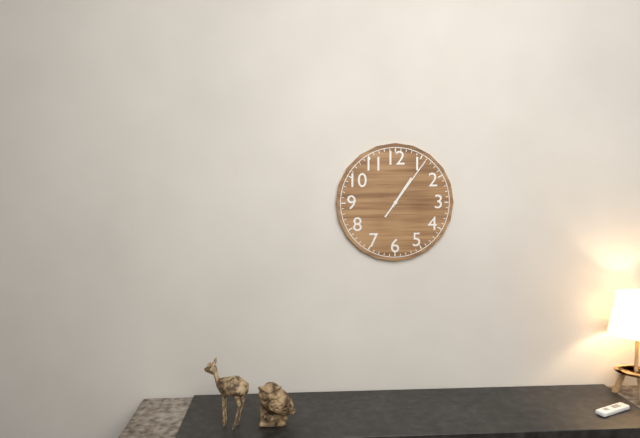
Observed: 1:06
